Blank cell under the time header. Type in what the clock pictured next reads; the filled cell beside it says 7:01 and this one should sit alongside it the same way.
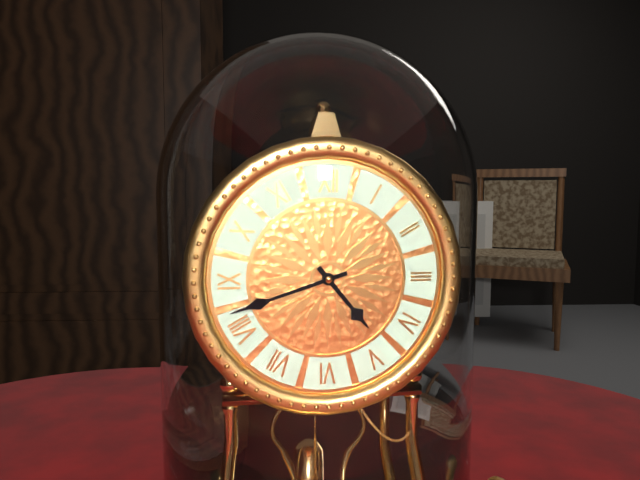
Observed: 4:42
